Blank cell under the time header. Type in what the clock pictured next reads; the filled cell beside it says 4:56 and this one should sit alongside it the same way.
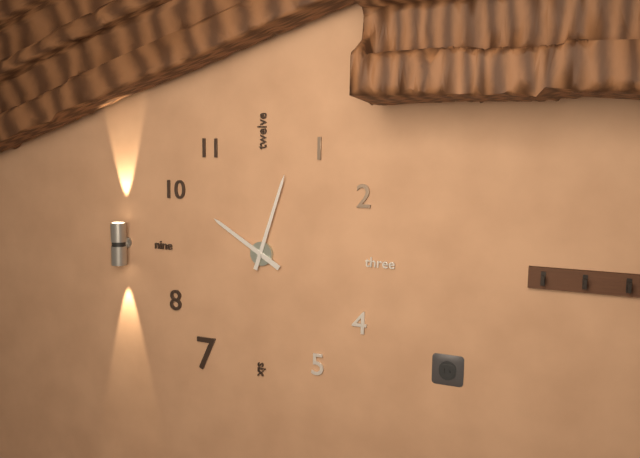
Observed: 10:03
